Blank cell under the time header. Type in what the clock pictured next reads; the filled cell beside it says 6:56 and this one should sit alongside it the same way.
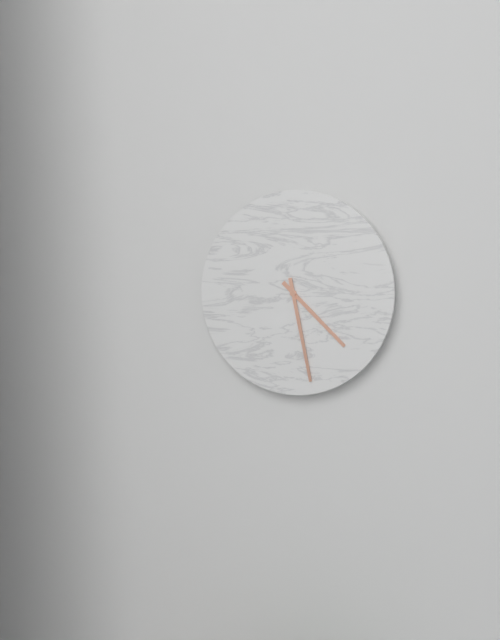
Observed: 4:28
